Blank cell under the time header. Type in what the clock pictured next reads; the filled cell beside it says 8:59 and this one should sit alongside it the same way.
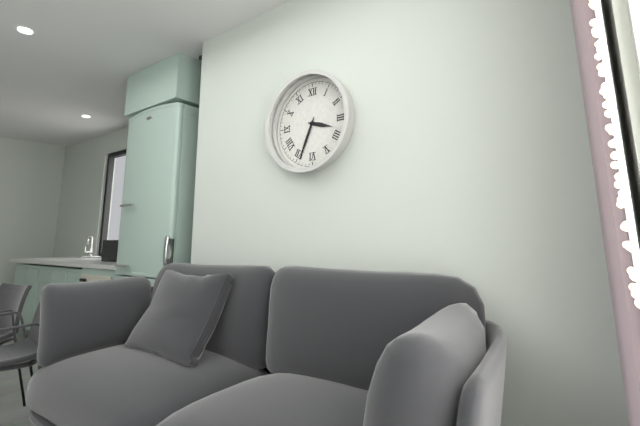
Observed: 3:34
